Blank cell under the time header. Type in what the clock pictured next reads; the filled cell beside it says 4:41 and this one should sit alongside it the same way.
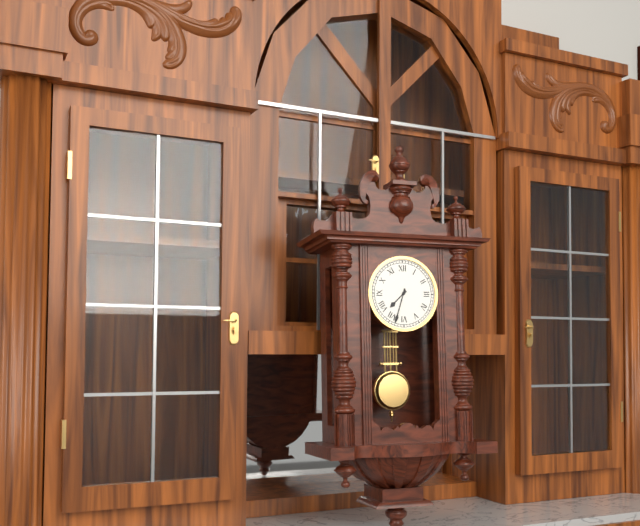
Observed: 7:33
